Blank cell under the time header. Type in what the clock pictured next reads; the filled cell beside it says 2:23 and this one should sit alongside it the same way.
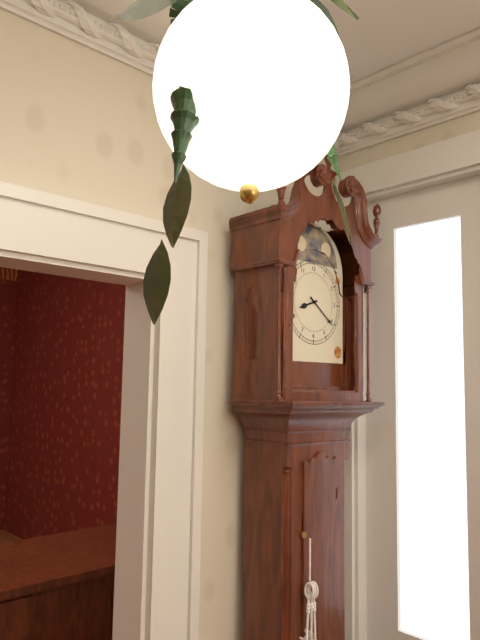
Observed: 8:21
